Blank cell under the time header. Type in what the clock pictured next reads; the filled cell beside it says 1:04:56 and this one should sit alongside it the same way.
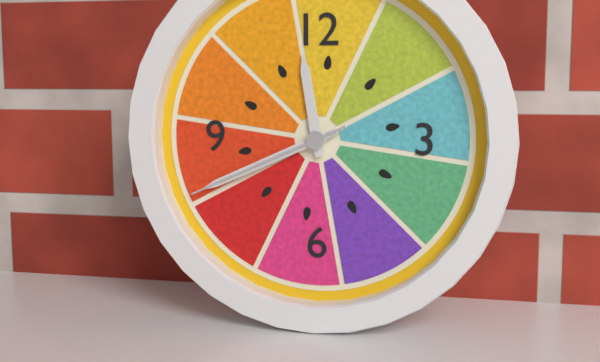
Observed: 11:41:41
